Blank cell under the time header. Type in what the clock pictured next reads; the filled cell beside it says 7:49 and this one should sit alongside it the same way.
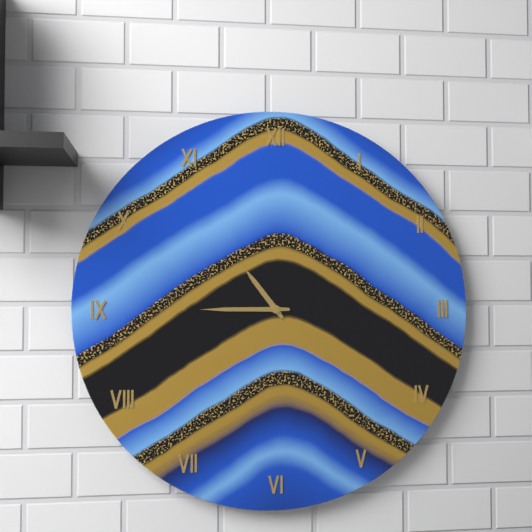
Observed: 10:45
